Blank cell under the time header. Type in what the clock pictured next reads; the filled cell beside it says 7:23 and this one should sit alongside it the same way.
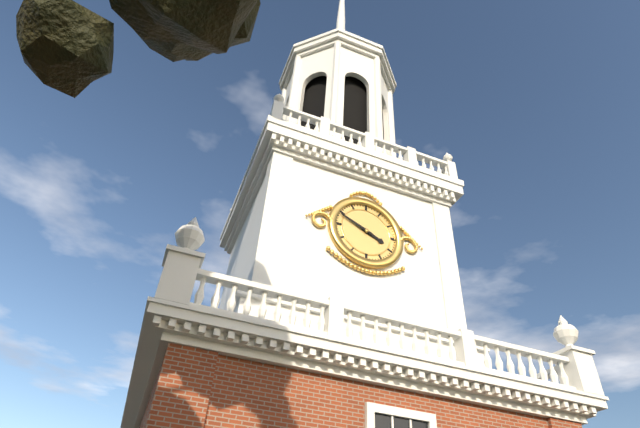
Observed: 3:49
